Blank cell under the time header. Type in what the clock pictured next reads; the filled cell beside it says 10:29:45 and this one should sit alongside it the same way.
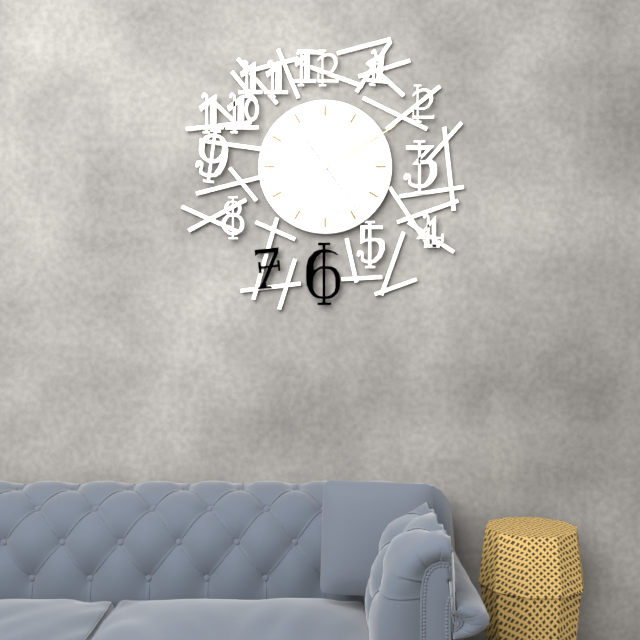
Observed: 2:10:24
